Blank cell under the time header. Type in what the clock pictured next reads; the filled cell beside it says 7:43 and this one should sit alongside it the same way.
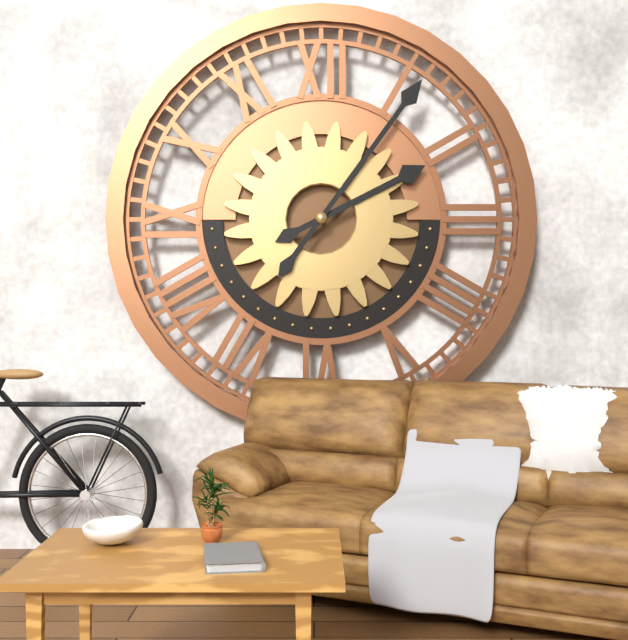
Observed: 2:06
